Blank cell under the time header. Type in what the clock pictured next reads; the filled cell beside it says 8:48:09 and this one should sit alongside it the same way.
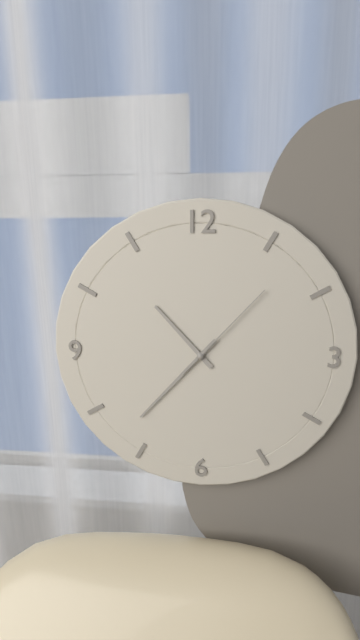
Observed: 10:37:07
